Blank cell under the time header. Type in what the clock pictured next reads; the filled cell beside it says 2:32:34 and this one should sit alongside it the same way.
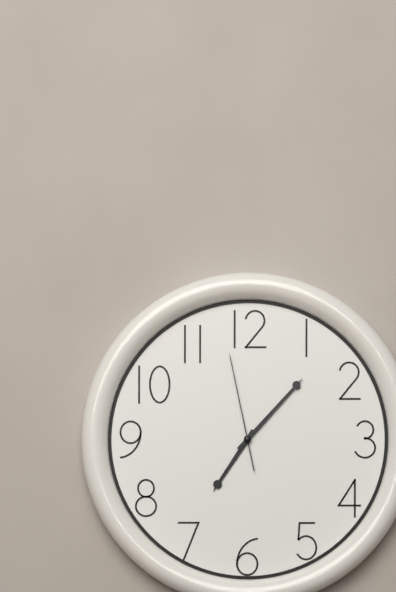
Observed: 7:07:58
